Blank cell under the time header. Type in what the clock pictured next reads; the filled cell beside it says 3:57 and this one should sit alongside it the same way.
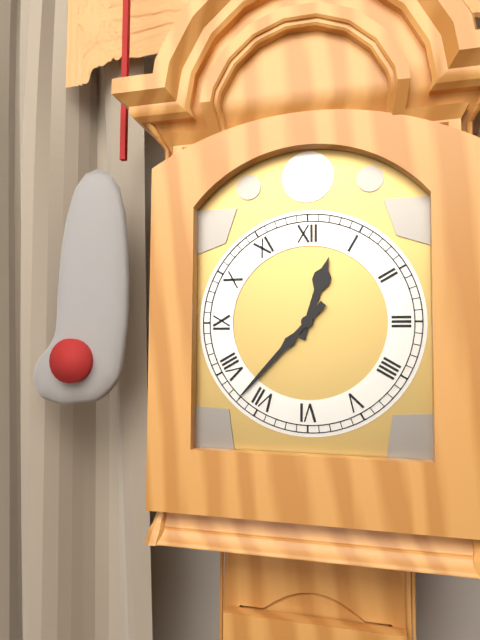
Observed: 12:37
